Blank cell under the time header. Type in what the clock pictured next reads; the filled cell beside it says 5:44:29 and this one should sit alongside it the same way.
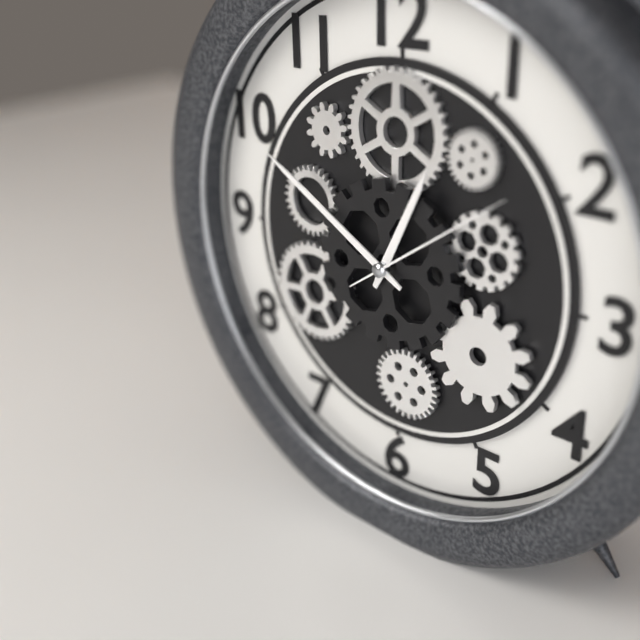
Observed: 12:50:09
